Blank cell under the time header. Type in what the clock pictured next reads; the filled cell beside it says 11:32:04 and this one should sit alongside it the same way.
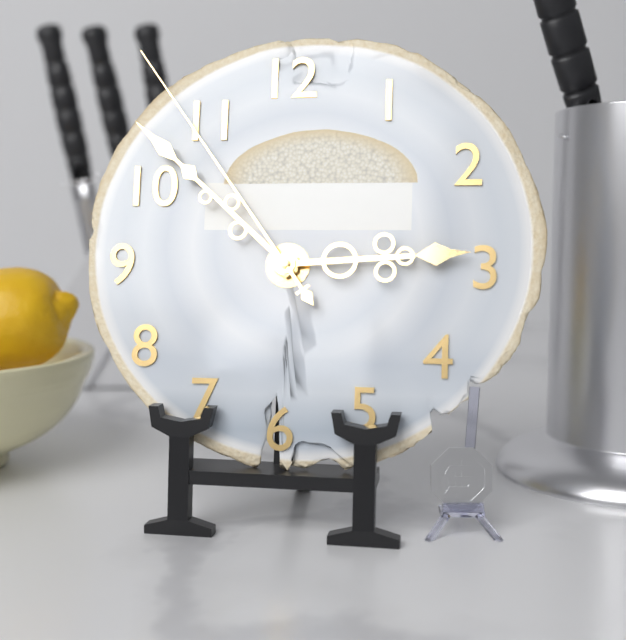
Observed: 2:52:54
